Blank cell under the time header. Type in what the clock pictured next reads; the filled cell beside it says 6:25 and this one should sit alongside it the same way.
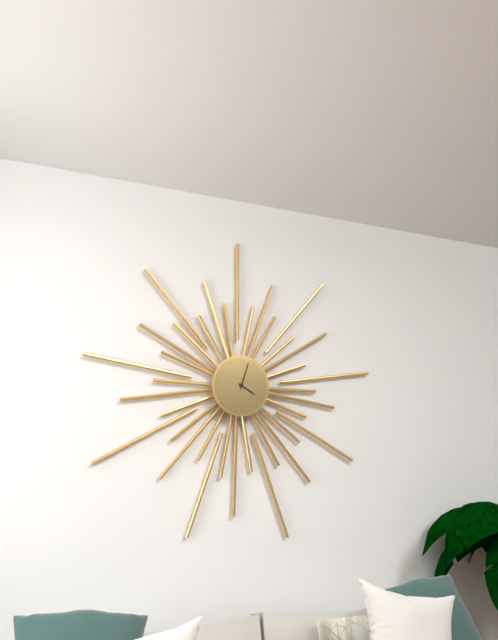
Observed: 4:03
